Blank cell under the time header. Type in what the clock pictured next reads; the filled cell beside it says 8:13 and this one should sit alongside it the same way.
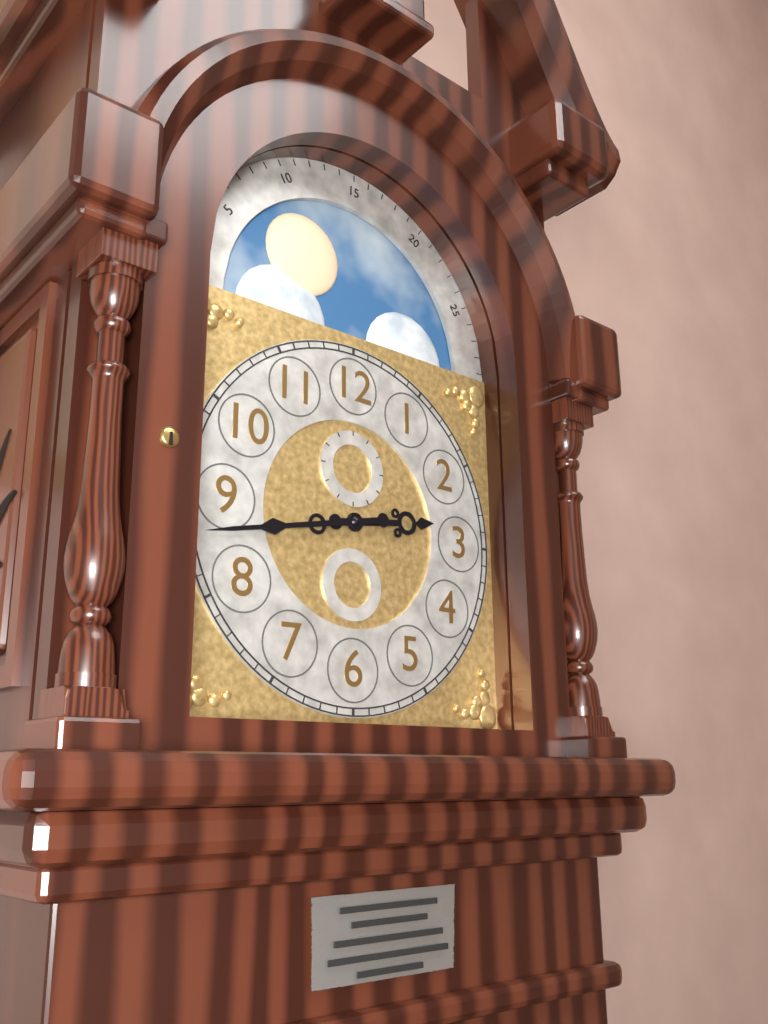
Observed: 2:43
